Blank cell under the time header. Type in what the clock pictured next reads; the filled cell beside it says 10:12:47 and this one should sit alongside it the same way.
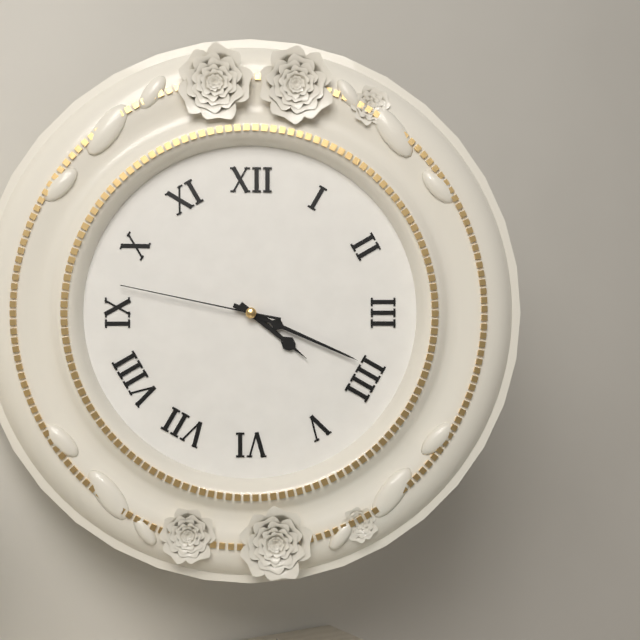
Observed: 4:19:47
